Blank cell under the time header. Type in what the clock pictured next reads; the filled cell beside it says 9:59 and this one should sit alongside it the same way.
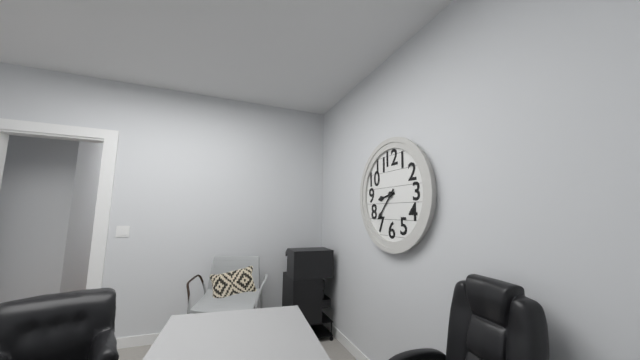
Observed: 8:37
